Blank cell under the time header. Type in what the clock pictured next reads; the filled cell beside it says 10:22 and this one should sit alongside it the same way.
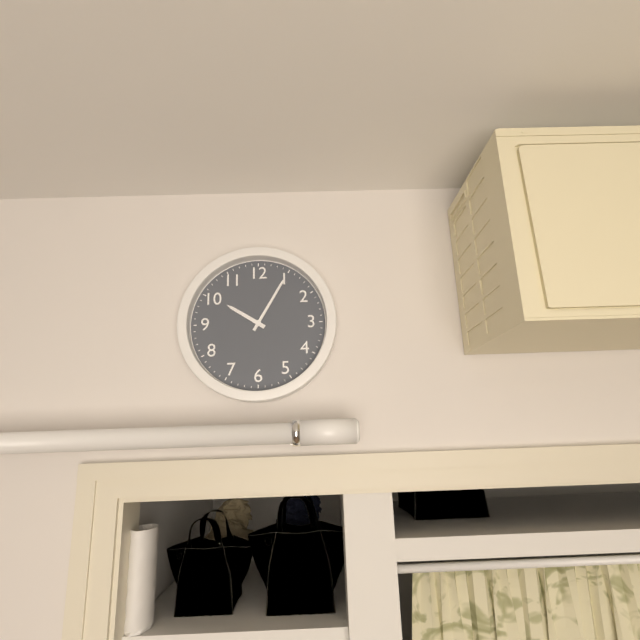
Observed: 10:05
